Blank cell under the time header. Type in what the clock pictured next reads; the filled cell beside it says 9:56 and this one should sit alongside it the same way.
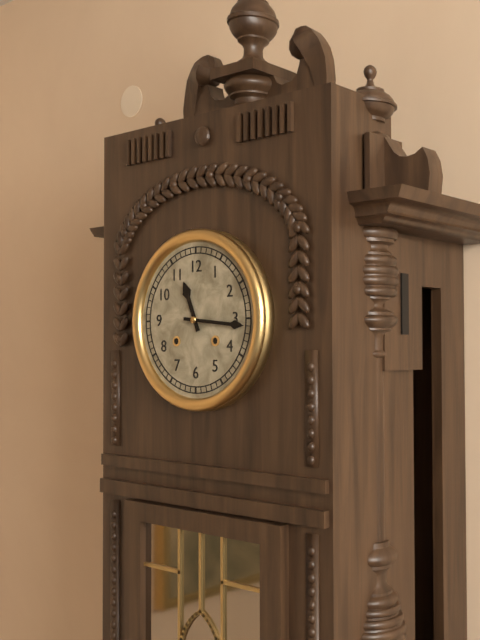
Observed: 11:16
